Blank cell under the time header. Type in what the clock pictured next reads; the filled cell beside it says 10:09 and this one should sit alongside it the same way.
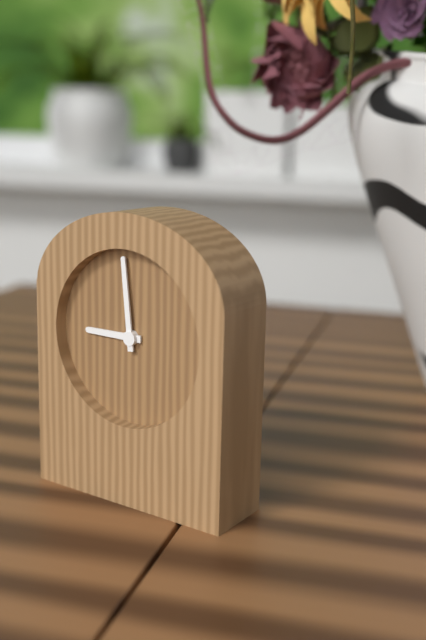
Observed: 8:59
